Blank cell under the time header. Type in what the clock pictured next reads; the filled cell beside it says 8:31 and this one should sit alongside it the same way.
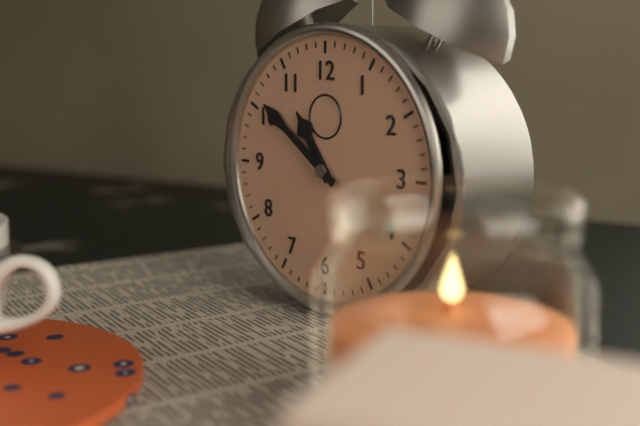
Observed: 10:51
